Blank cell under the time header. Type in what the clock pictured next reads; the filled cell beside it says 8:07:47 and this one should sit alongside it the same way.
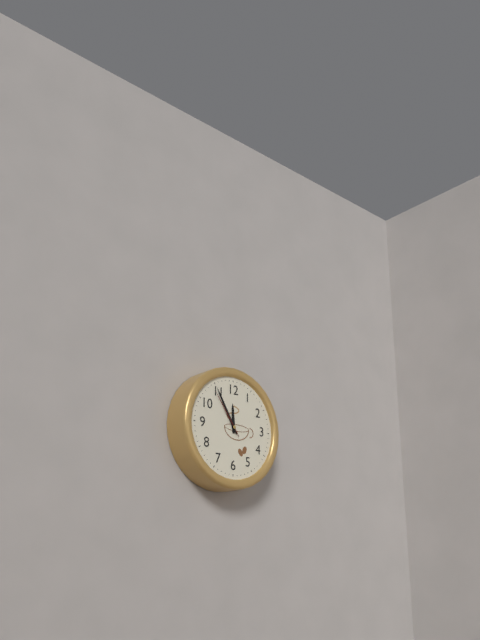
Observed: 11:55:54
